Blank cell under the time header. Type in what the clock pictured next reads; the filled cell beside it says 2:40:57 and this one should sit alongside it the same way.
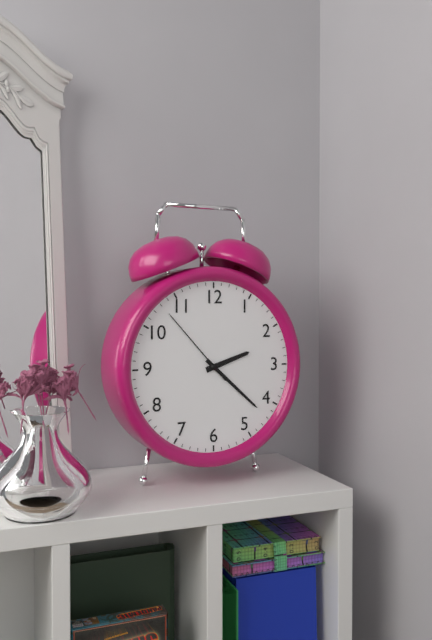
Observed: 2:22:53
